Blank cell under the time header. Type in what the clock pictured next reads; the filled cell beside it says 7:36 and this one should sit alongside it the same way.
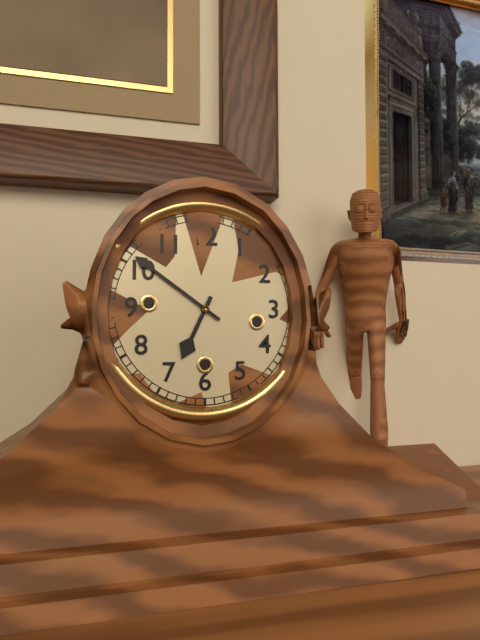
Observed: 6:51
